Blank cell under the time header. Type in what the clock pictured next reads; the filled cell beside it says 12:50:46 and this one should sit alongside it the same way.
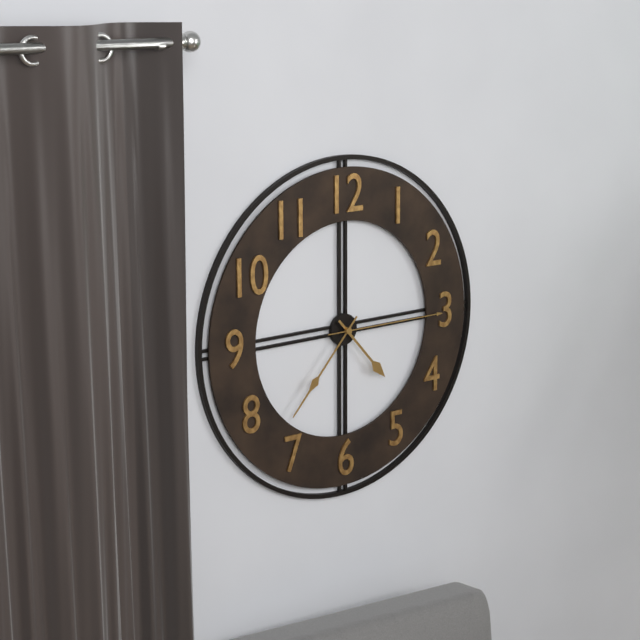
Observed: 4:37:15
